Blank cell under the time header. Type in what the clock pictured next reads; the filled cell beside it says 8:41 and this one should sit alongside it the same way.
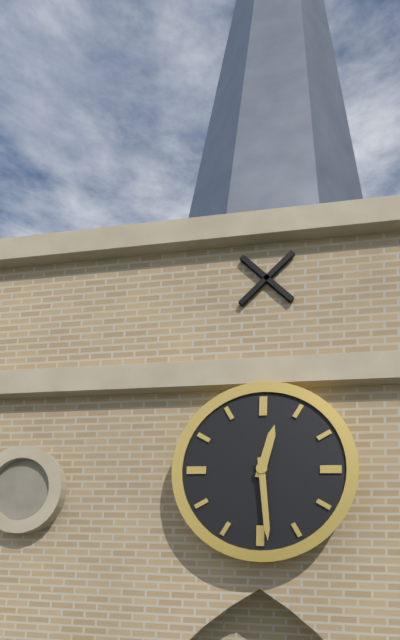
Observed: 12:29
